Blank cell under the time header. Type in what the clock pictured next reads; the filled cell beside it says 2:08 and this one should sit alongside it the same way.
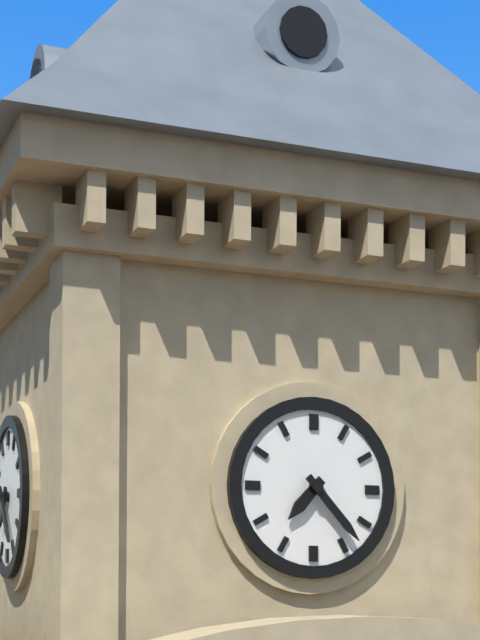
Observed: 7:23
